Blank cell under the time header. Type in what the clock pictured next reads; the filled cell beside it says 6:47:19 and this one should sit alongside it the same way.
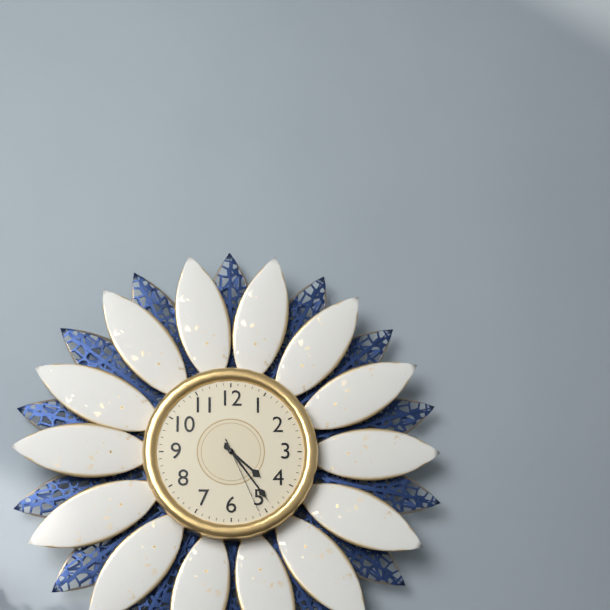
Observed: 4:24:26
